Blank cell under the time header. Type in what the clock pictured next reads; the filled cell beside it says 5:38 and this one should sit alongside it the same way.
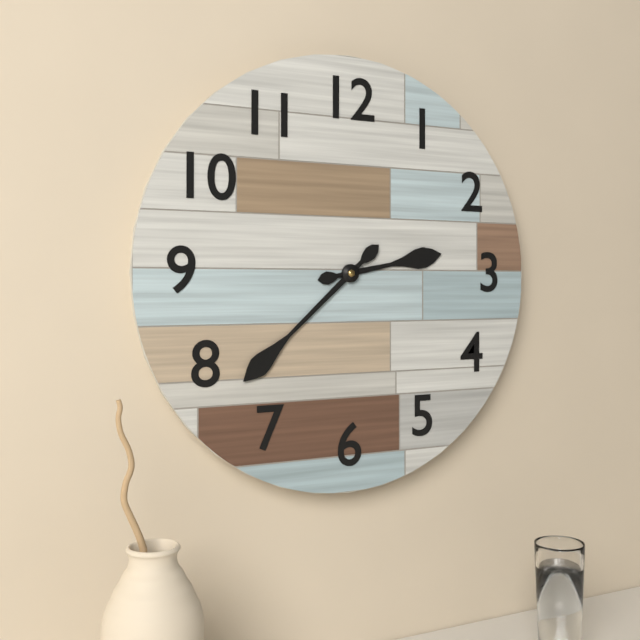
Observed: 2:38
